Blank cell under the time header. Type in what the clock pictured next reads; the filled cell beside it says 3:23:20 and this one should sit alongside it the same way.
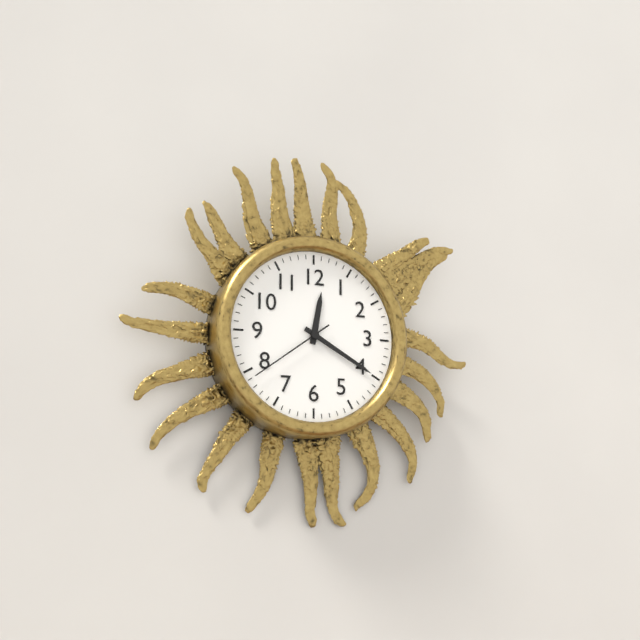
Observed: 12:20:39
